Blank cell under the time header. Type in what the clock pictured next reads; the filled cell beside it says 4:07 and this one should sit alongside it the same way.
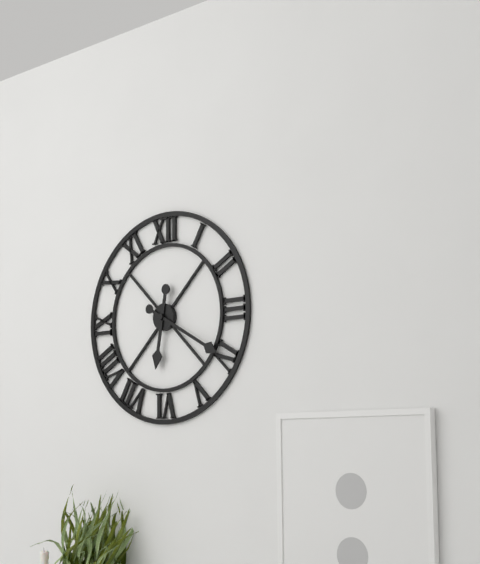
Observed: 6:20
